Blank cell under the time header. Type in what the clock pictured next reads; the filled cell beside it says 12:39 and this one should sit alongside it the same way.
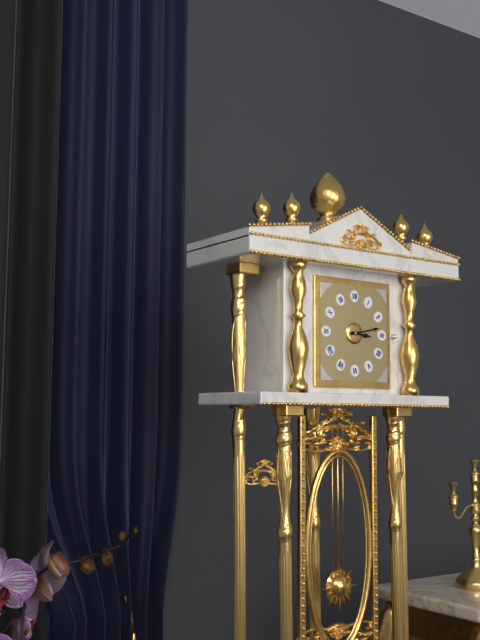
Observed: 3:13
